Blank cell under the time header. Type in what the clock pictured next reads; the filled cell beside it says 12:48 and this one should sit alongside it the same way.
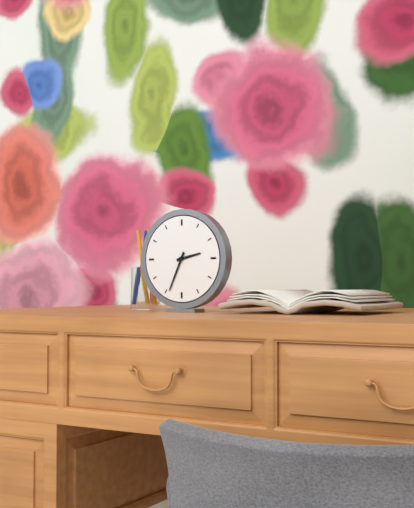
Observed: 2:34
